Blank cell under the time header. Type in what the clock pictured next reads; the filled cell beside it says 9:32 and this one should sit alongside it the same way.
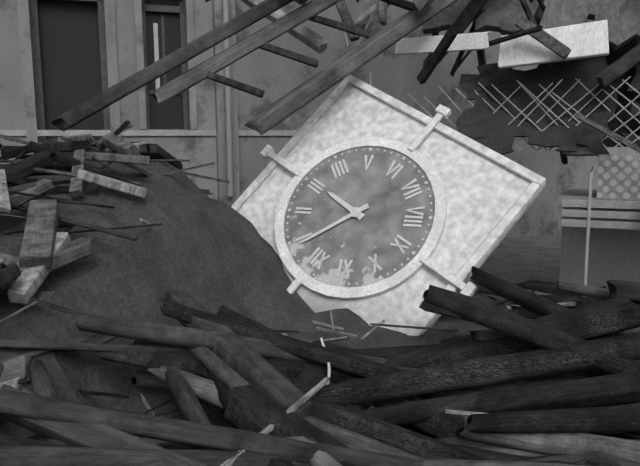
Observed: 3:04
